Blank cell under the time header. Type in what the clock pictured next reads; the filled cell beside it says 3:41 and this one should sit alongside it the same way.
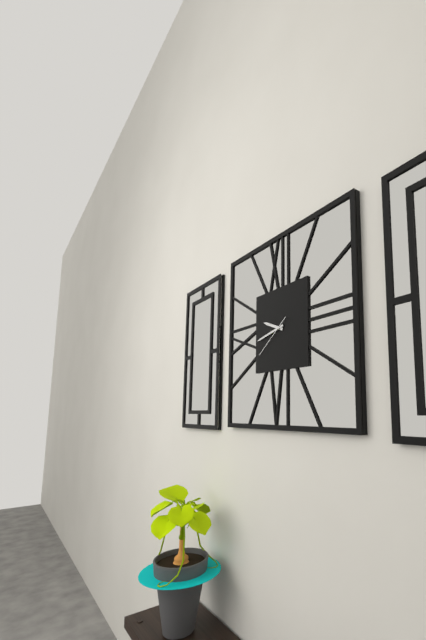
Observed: 9:43
